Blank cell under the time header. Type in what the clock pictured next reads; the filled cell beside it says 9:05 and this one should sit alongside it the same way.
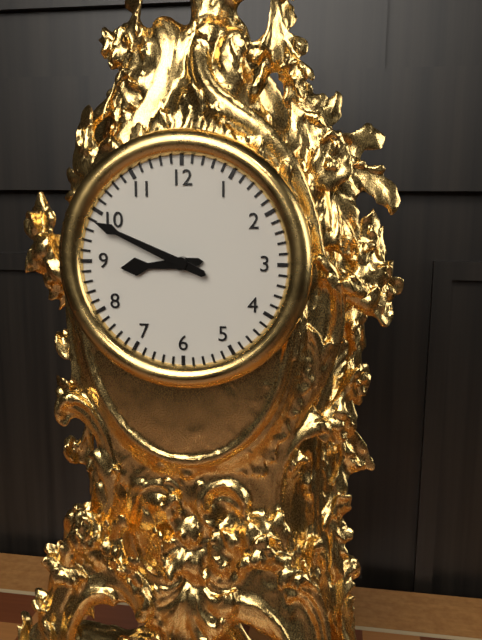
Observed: 8:49
